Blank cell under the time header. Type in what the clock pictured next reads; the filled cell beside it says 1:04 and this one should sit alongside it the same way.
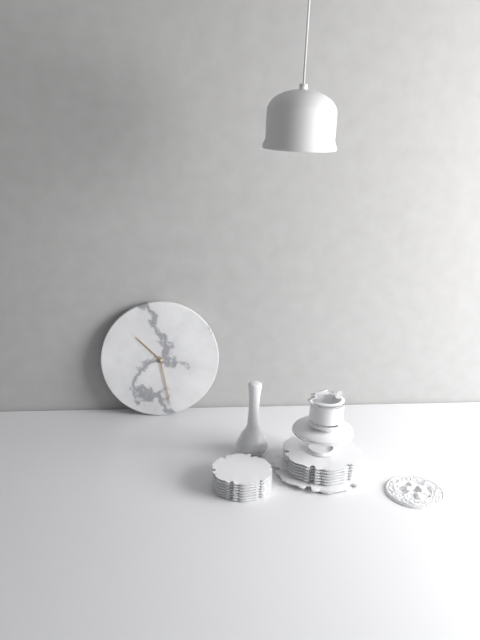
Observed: 10:28
